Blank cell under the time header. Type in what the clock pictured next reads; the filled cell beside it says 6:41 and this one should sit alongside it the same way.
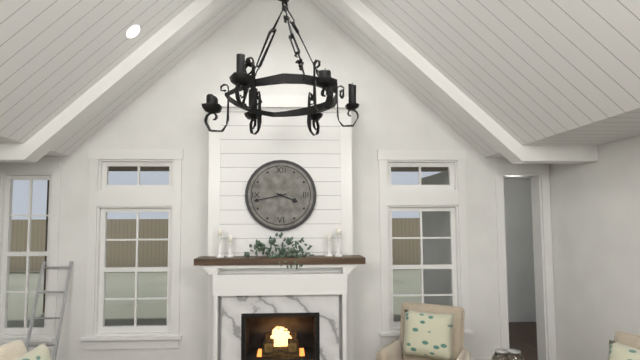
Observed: 3:43
